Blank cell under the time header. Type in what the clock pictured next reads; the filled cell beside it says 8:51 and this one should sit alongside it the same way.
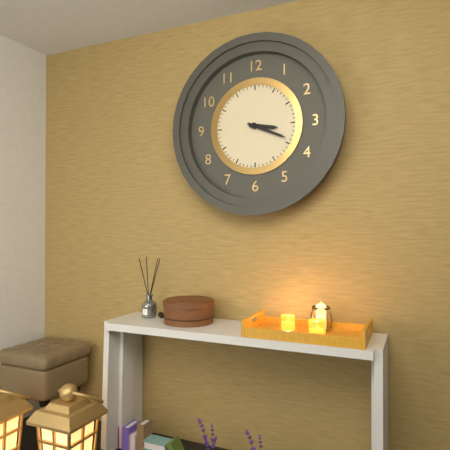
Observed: 3:19
